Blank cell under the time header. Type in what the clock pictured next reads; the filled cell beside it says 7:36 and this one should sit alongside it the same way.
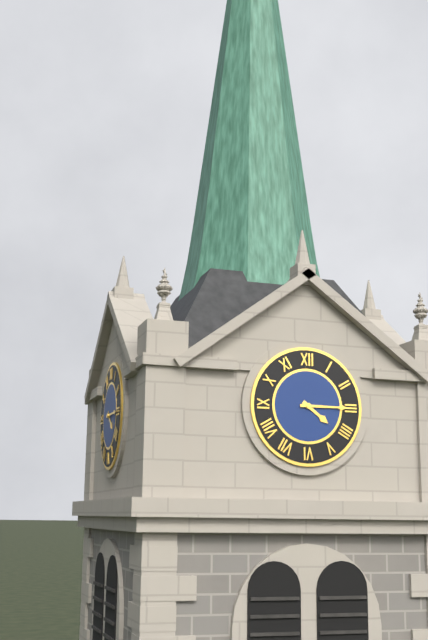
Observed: 4:15
